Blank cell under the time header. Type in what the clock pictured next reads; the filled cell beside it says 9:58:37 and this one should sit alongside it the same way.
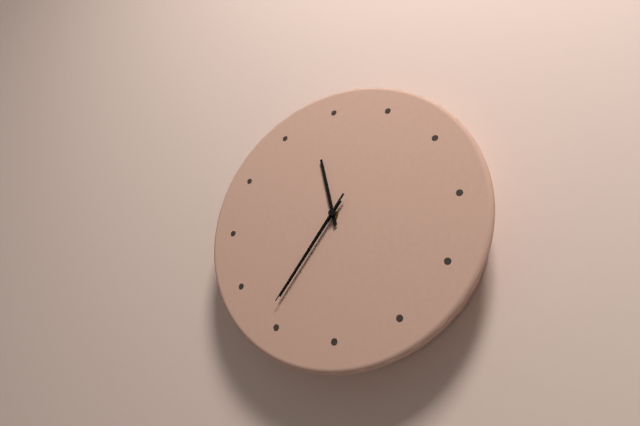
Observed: 11:36:36
